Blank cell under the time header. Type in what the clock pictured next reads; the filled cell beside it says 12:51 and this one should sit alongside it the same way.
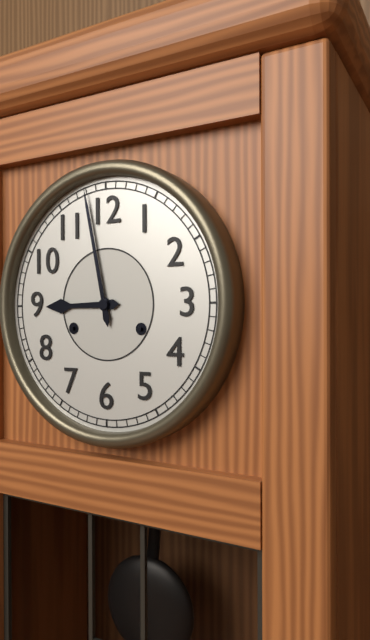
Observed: 8:58
